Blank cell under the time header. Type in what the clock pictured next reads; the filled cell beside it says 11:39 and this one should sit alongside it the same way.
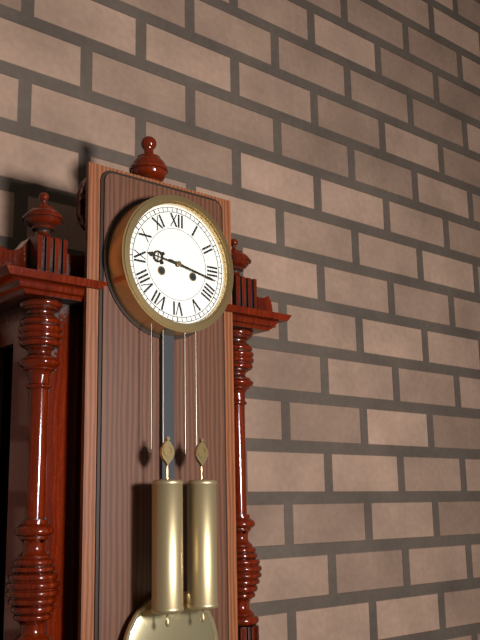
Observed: 9:17
